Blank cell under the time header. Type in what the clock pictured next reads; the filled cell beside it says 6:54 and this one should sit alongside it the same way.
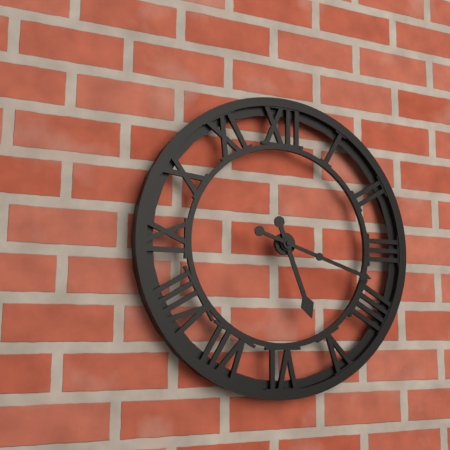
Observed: 5:18
